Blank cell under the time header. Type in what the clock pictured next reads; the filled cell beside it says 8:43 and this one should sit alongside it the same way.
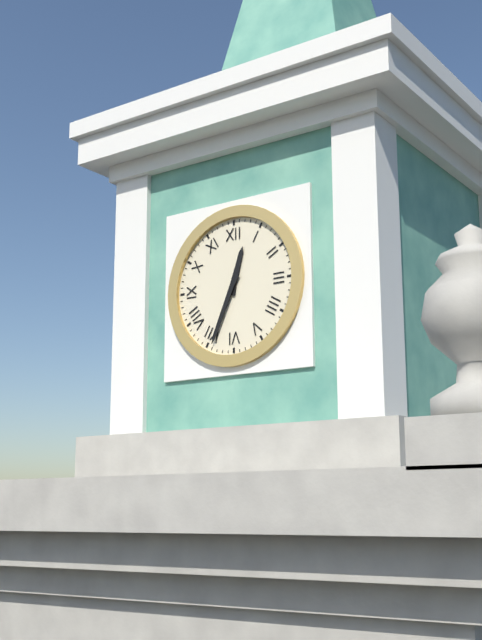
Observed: 12:34
